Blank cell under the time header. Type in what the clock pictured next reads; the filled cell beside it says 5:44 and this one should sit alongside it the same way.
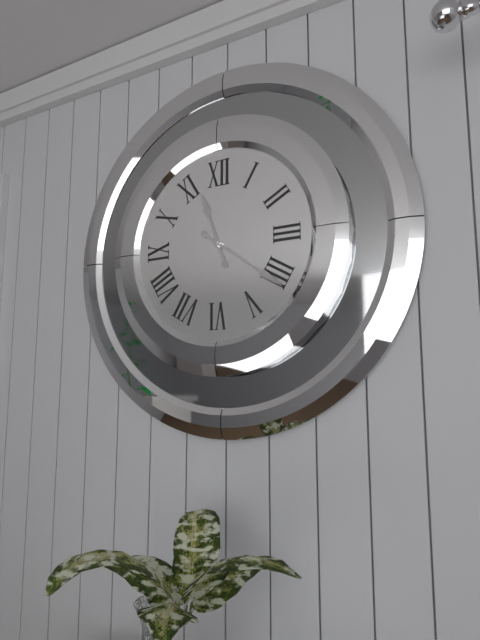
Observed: 11:21
